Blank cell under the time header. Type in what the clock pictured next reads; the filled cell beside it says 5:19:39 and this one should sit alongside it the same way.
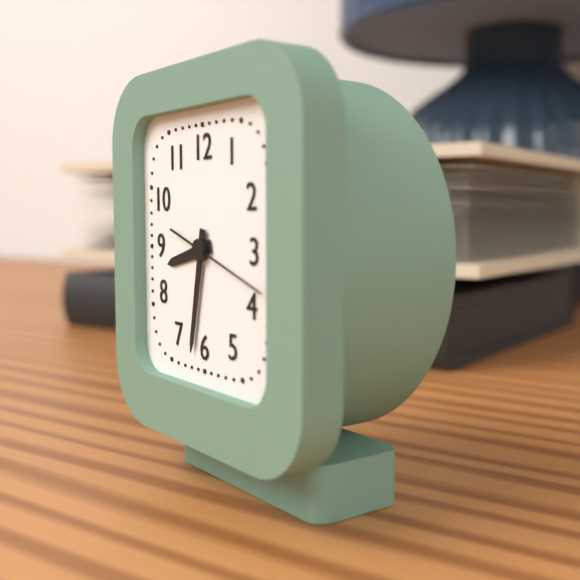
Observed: 8:32:18
